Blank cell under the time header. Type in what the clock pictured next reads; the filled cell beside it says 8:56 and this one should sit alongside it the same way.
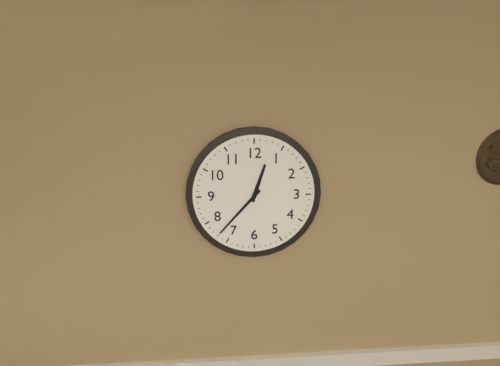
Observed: 12:37
